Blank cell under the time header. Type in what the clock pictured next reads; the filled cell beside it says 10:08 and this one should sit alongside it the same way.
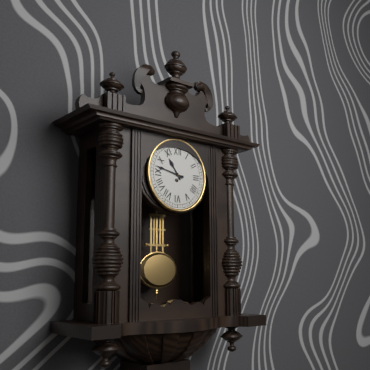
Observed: 10:47
